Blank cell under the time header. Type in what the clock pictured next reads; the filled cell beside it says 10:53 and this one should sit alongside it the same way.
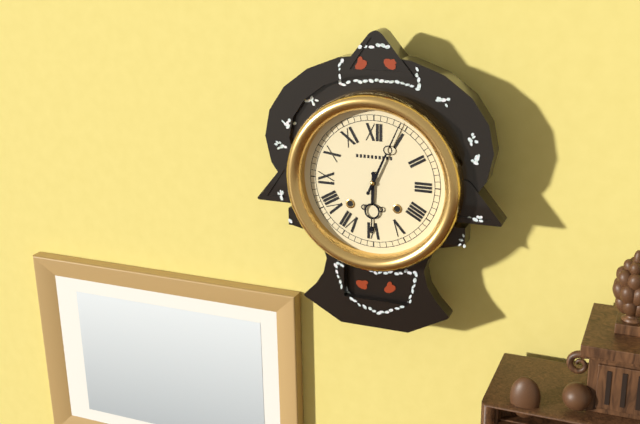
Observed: 6:04
